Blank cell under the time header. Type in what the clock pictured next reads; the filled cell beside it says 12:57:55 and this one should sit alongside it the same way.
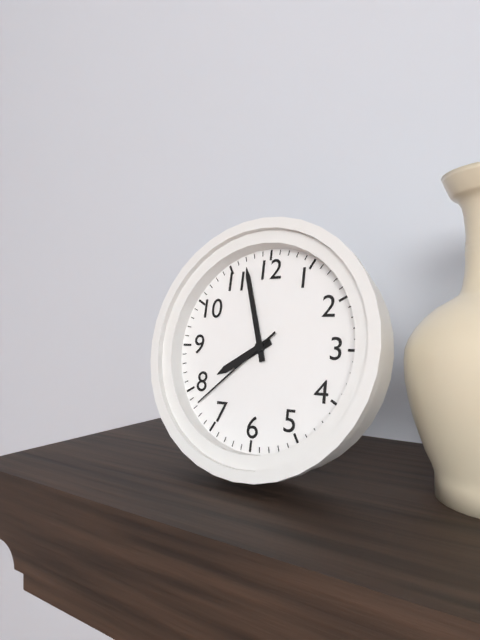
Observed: 7:57:38
